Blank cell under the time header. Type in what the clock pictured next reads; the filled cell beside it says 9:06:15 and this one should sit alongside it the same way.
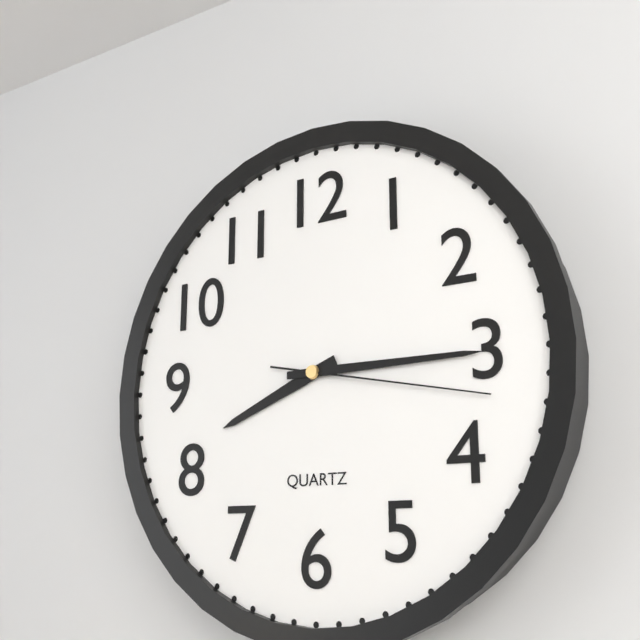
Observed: 8:15:17
